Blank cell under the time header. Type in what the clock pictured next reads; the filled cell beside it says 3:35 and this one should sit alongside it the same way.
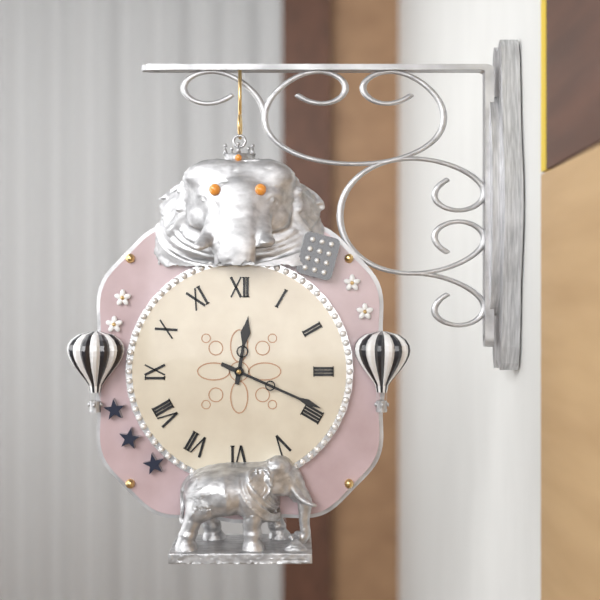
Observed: 12:19
